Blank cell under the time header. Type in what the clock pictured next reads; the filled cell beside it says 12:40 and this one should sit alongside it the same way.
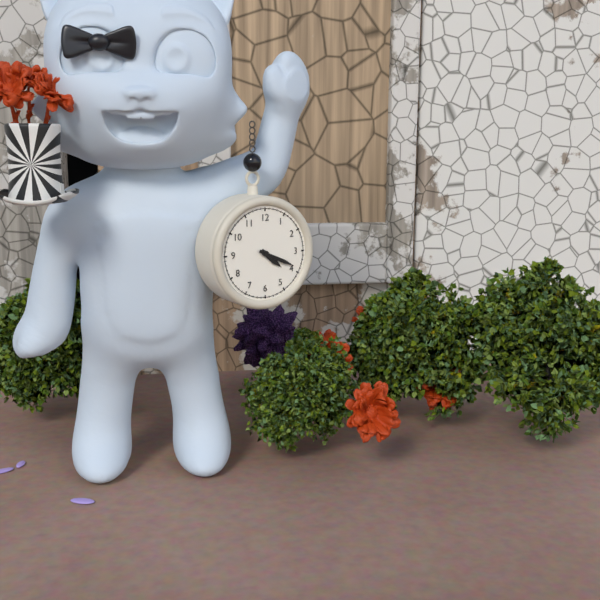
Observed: 4:19
